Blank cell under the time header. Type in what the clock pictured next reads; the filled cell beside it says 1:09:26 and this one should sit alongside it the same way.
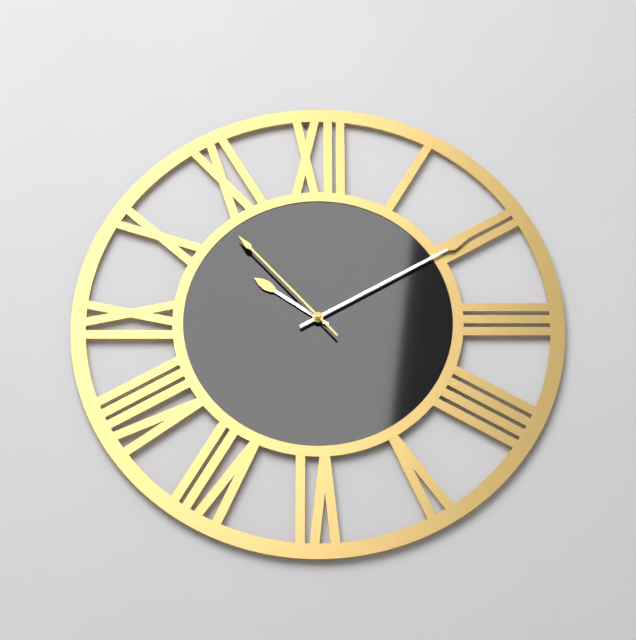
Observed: 10:10:53
